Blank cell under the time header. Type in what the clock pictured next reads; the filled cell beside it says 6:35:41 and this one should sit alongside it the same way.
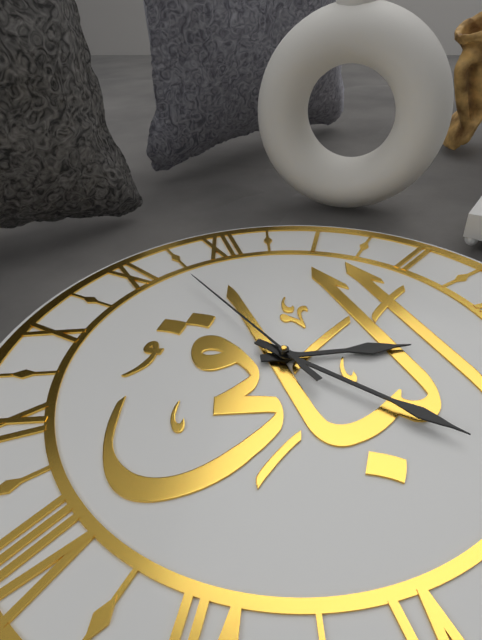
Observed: 3:24:57
